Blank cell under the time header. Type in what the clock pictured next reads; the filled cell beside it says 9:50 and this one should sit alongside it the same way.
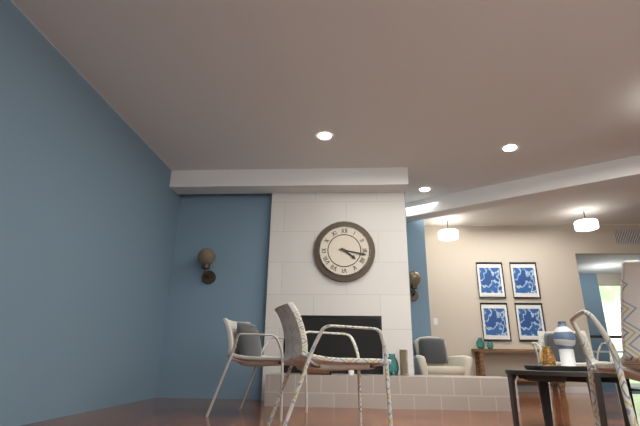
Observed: 4:17
